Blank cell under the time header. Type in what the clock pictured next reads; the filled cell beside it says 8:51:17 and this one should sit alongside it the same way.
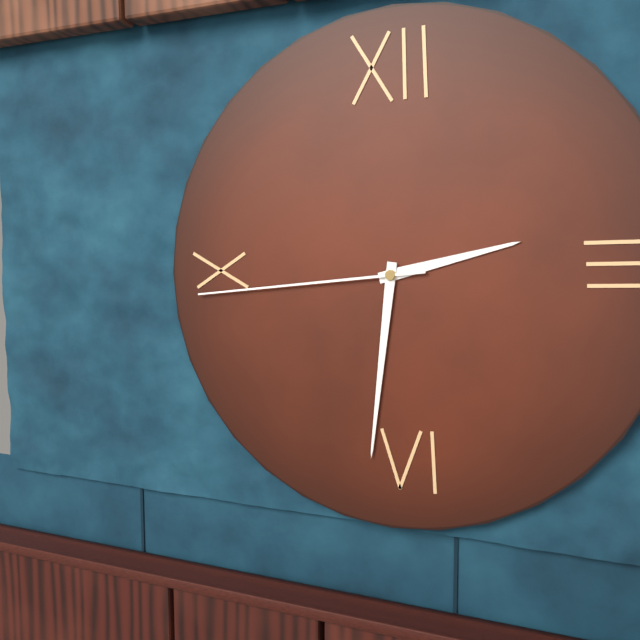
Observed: 2:31:44
